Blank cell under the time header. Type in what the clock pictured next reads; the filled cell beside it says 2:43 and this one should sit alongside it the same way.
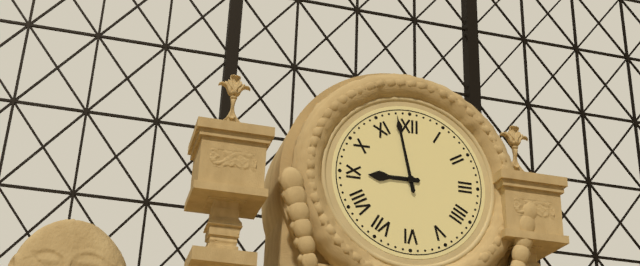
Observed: 8:58
